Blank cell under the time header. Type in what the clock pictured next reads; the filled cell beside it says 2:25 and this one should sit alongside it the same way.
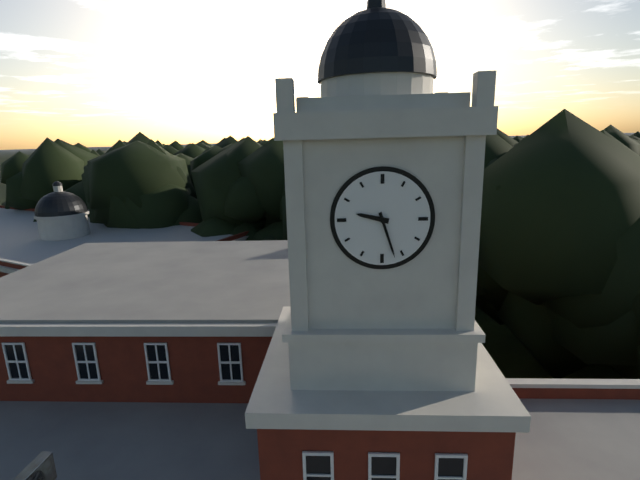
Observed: 9:27
